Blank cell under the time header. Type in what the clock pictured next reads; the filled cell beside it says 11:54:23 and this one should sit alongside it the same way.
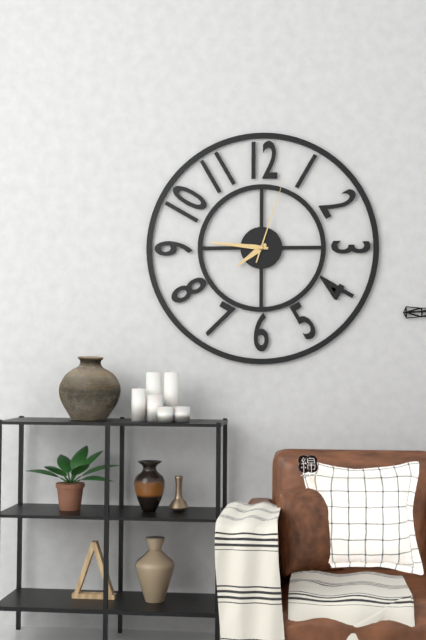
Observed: 7:46:03
